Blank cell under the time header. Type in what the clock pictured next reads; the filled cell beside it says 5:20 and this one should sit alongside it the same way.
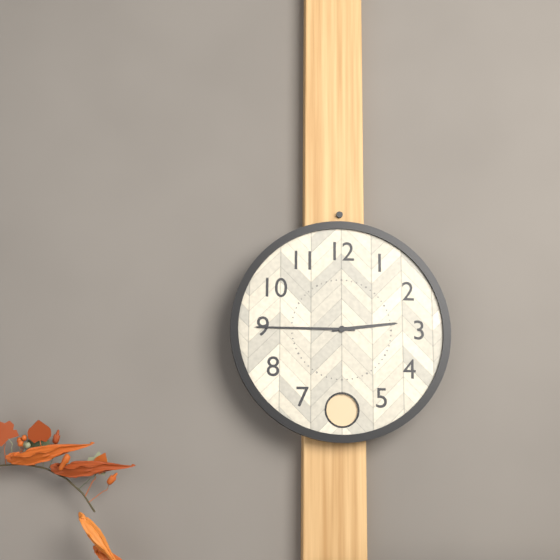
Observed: 2:45
